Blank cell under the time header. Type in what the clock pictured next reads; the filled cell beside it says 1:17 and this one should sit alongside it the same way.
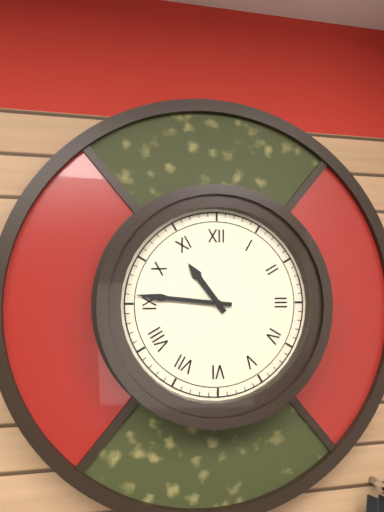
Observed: 10:46
